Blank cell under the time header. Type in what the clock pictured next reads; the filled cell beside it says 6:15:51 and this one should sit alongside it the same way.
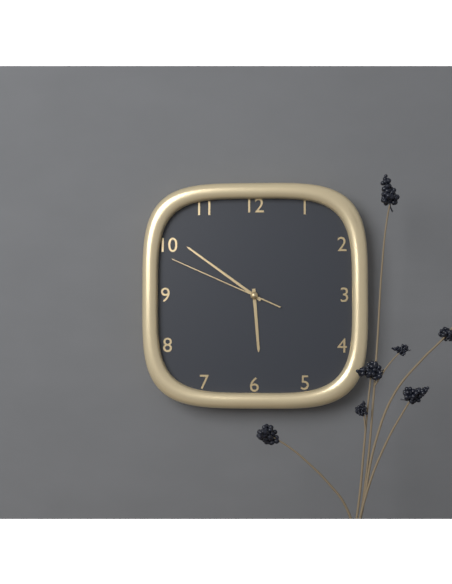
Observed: 5:51:49
